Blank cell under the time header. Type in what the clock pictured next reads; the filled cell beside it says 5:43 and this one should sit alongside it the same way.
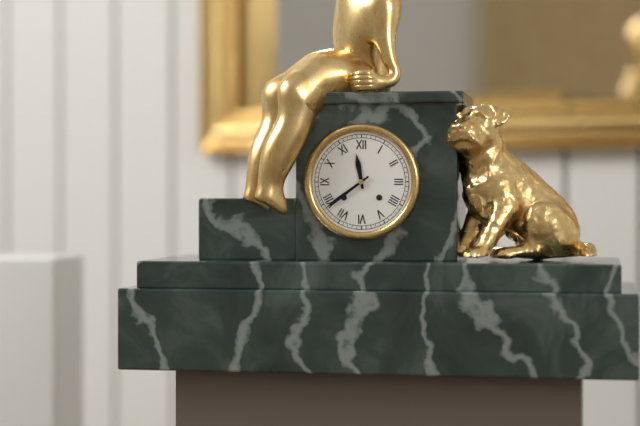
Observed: 11:39
